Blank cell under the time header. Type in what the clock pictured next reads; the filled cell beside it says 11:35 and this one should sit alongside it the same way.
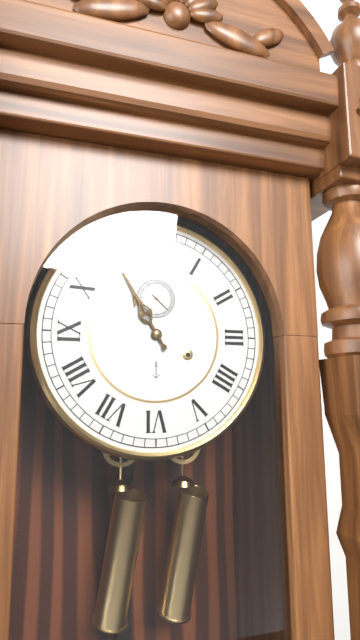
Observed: 10:55
